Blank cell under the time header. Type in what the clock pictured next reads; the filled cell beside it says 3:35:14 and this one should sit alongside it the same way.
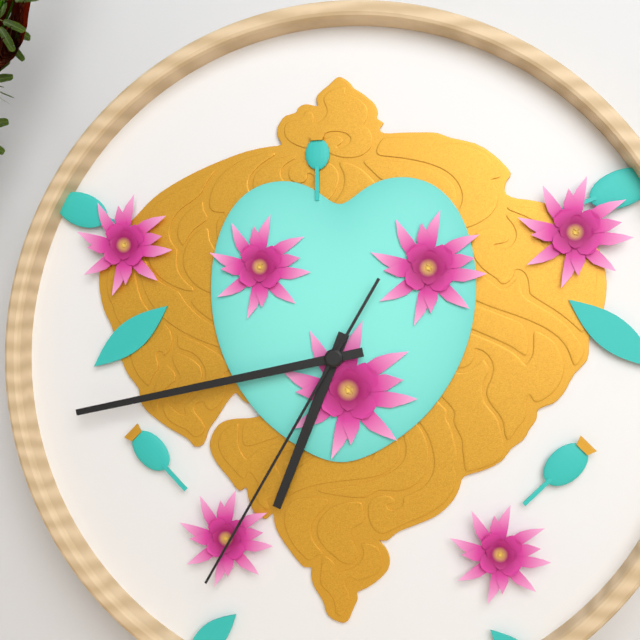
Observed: 6:43:35
